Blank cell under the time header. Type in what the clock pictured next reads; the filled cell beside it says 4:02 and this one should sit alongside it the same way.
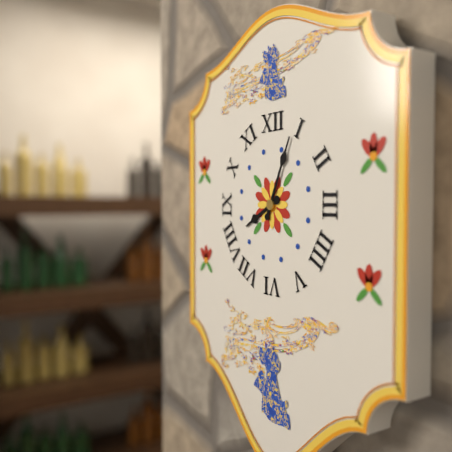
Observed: 8:04
